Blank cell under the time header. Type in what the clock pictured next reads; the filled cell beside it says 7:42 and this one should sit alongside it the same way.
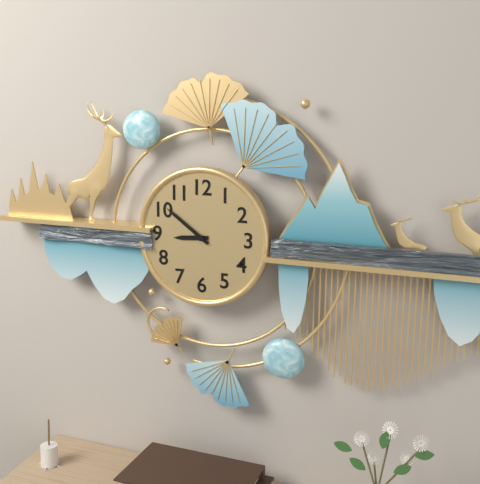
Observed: 8:51
